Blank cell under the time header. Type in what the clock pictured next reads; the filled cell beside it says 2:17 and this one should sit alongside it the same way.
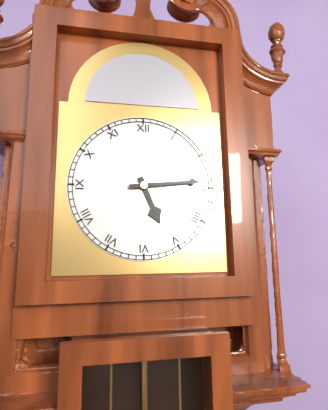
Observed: 5:14
